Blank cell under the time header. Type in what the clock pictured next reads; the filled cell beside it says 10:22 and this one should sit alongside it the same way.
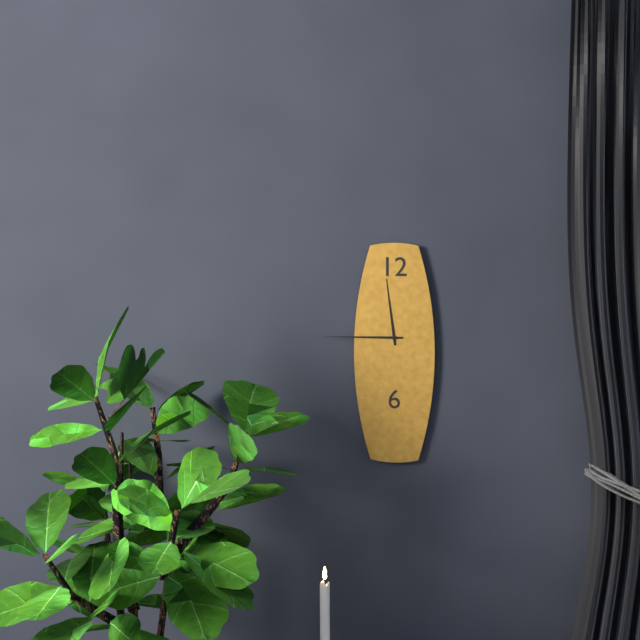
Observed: 11:45
